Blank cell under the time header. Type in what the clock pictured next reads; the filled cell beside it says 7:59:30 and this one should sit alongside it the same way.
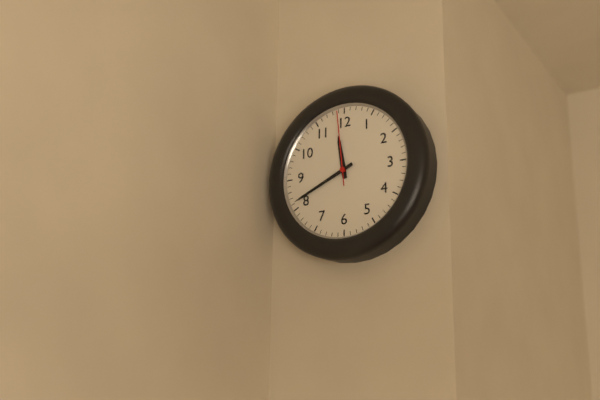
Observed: 11:41:59
